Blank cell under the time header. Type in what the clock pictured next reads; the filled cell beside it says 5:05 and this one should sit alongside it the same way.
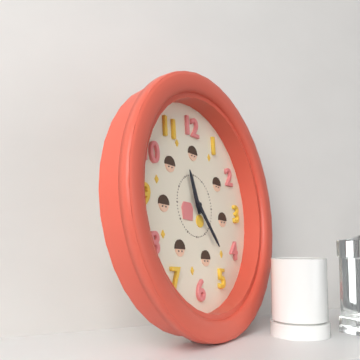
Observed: 11:23
